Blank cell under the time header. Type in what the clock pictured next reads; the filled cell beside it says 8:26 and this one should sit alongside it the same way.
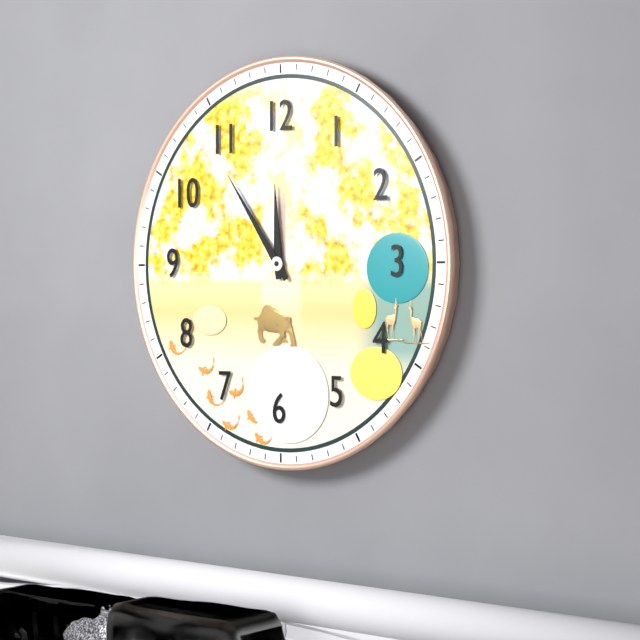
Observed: 11:54
